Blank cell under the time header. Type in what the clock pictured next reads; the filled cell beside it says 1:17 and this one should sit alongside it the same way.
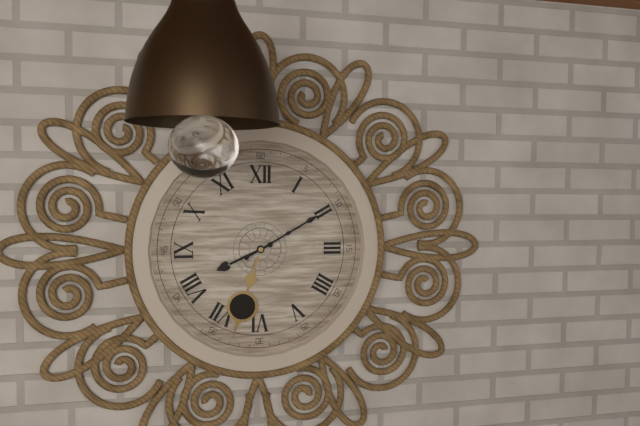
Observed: 8:10
